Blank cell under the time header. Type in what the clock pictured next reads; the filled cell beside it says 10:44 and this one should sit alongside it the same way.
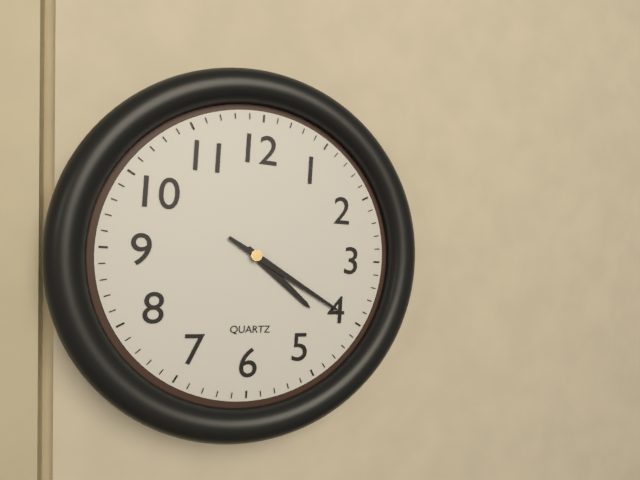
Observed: 4:20
